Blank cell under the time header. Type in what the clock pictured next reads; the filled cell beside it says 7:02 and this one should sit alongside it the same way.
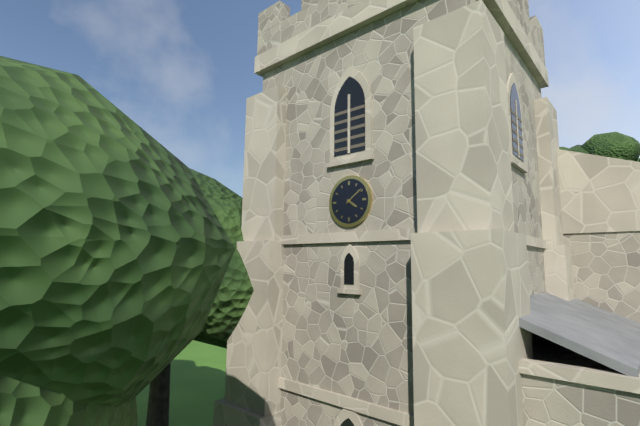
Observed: 4:09
